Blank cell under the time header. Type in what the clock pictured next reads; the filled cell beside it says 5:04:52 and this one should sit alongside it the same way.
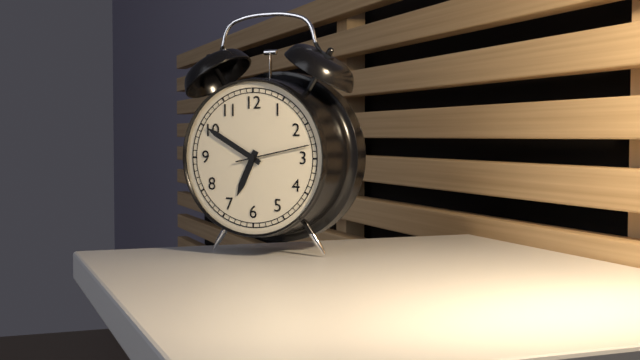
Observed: 6:50:13
